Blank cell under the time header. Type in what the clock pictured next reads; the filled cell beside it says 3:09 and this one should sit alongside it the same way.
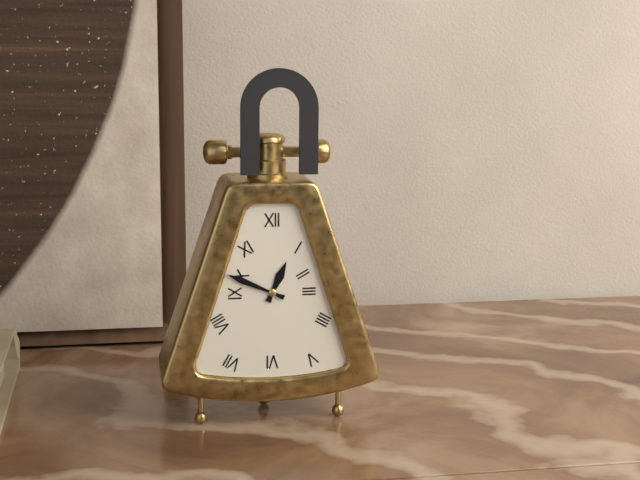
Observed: 12:49
